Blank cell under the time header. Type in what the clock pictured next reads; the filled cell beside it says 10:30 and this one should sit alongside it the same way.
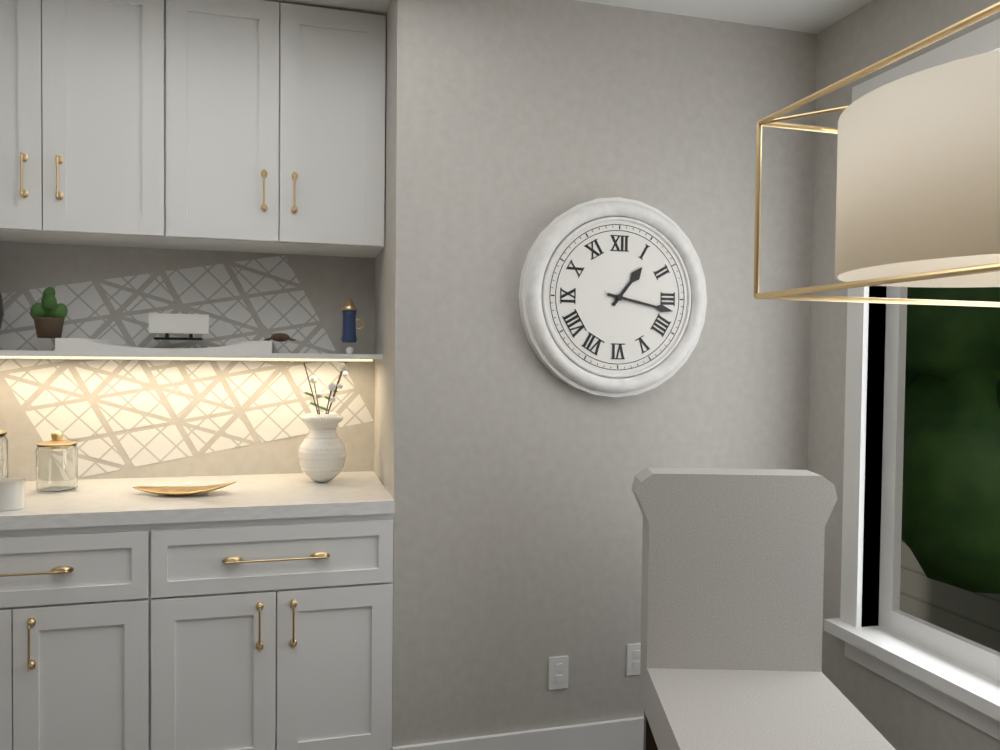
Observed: 1:17
